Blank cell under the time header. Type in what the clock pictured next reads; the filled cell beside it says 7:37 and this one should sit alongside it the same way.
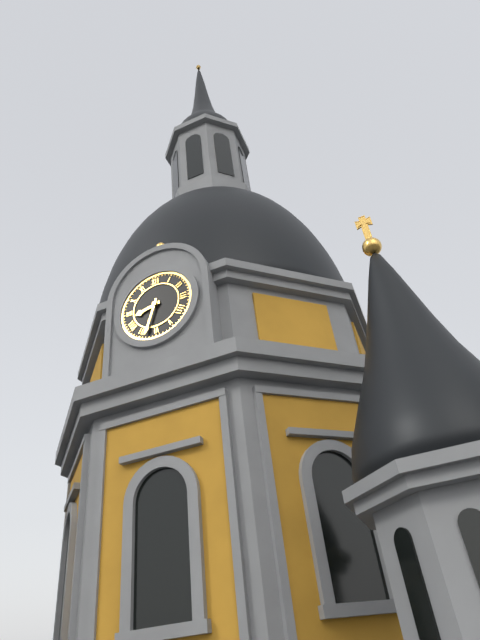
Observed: 8:33
